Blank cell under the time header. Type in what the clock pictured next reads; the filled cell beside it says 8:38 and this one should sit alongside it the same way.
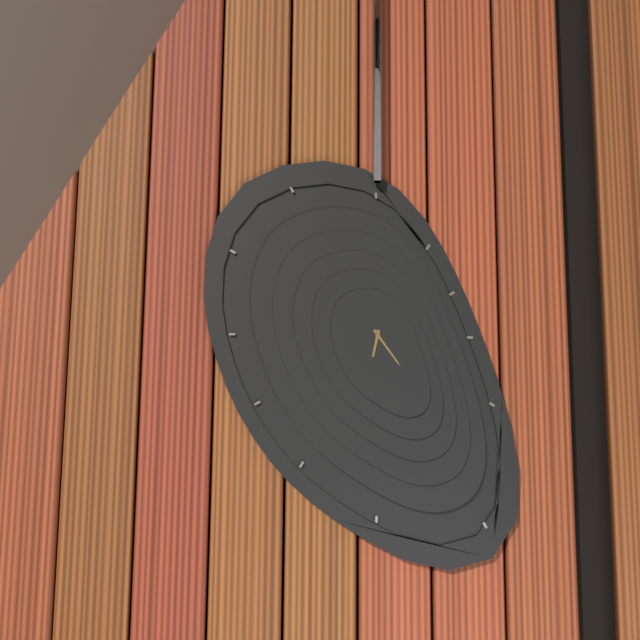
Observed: 6:24
